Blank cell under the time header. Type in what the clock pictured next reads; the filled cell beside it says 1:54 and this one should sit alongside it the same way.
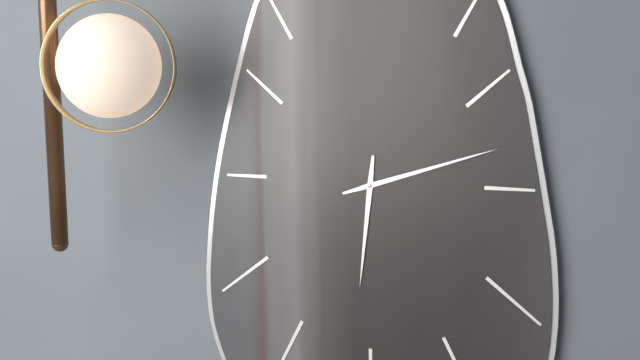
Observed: 6:12
